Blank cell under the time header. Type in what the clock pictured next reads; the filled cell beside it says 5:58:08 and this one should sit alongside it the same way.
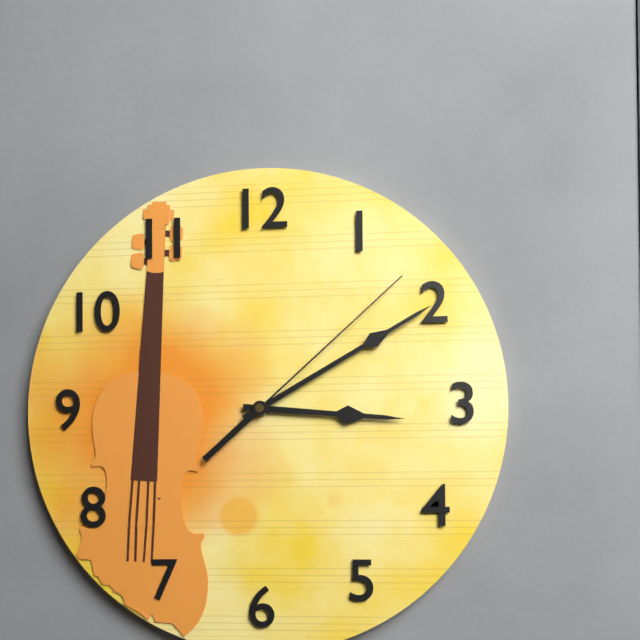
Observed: 3:10:08
